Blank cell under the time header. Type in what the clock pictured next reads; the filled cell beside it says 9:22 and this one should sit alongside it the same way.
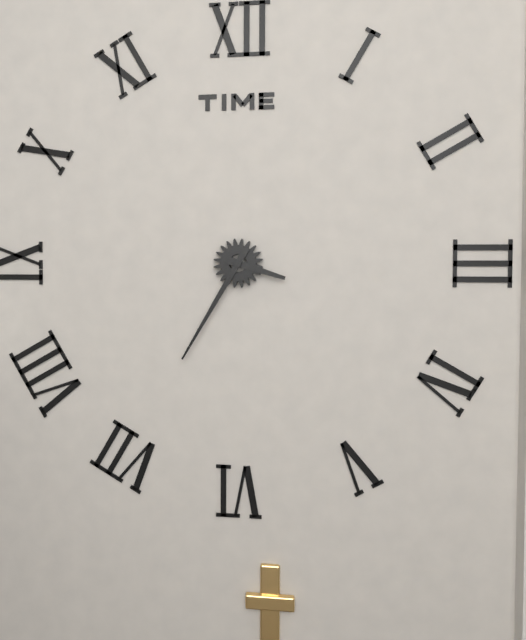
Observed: 3:35
